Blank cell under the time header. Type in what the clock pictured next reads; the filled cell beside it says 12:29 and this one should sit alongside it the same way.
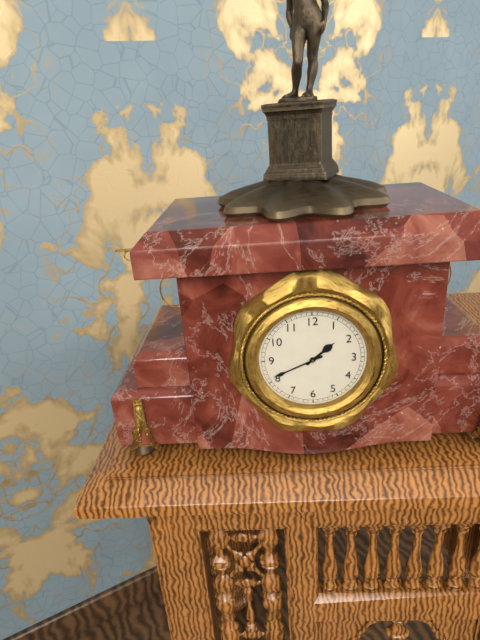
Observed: 1:41
